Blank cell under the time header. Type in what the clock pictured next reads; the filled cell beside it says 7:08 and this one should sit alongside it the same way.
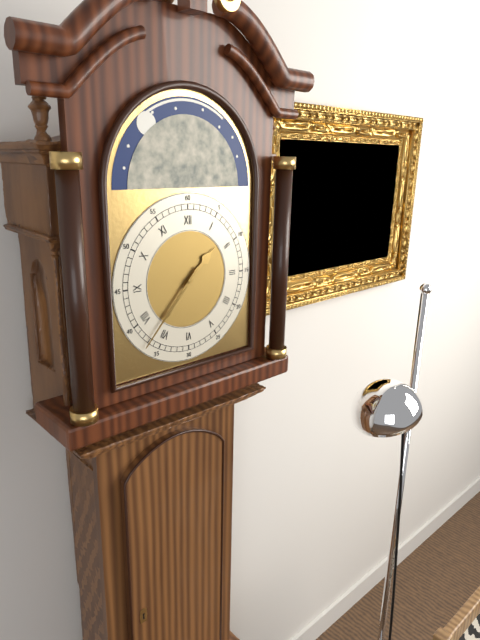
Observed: 1:37
